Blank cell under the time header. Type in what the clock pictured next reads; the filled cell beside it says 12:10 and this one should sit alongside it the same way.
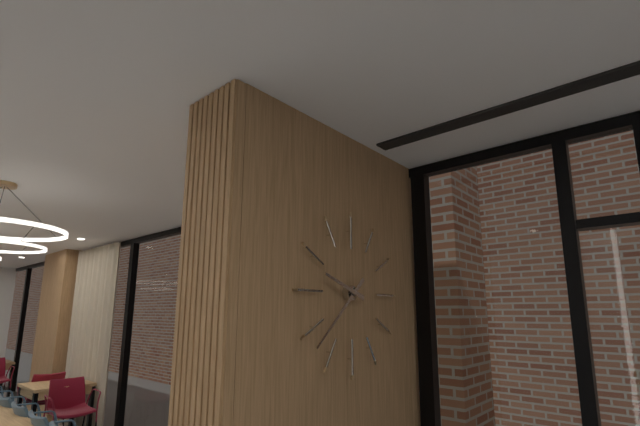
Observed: 9:38
